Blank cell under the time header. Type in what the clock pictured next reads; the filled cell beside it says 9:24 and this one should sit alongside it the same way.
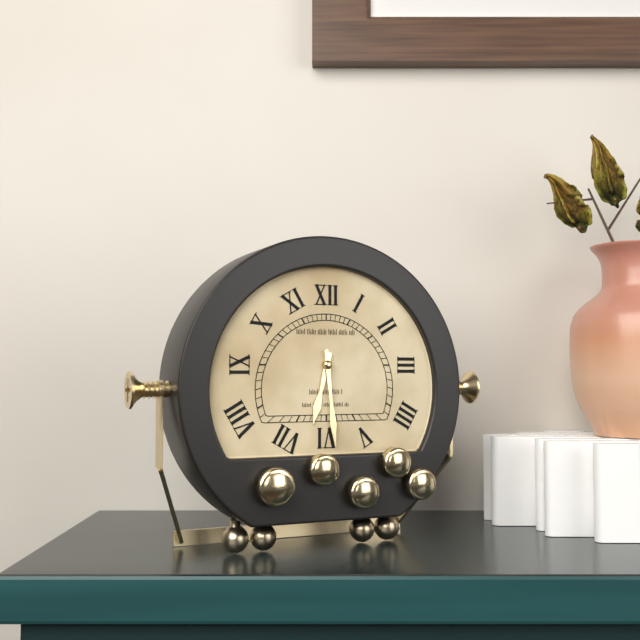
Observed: 6:29
